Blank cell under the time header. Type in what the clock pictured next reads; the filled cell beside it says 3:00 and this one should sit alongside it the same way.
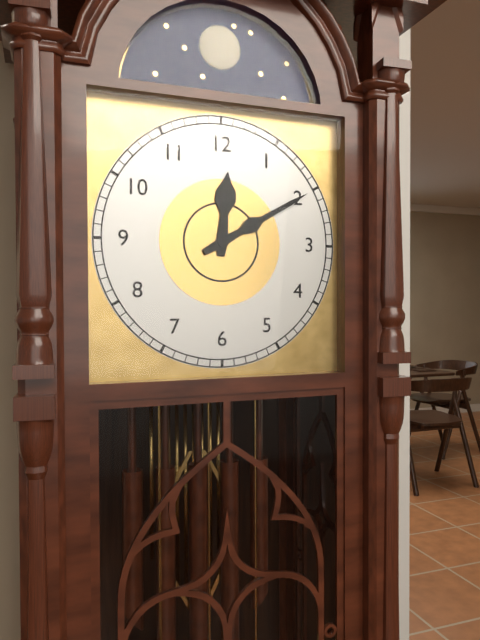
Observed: 12:10
